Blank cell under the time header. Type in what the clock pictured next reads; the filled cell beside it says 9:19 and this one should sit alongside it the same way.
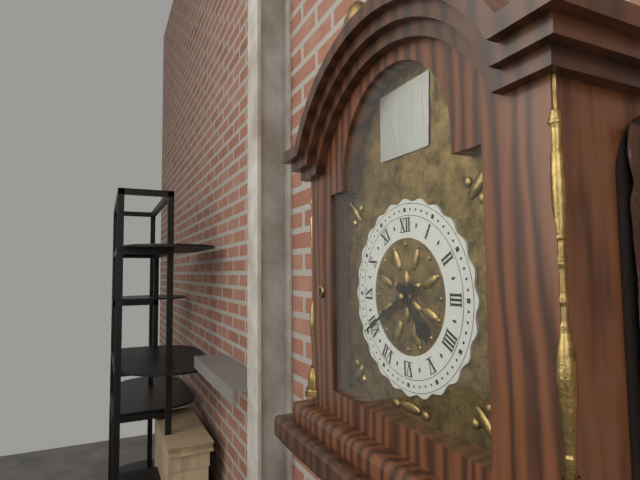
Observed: 4:40
